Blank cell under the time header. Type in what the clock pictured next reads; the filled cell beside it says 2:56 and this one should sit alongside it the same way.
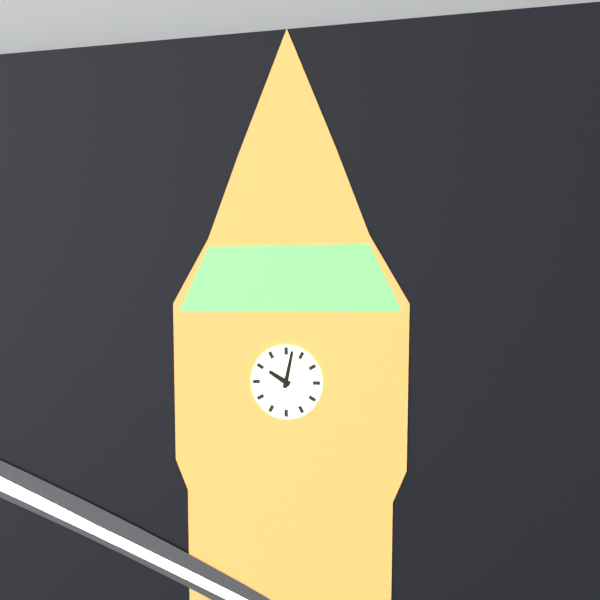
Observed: 10:02
